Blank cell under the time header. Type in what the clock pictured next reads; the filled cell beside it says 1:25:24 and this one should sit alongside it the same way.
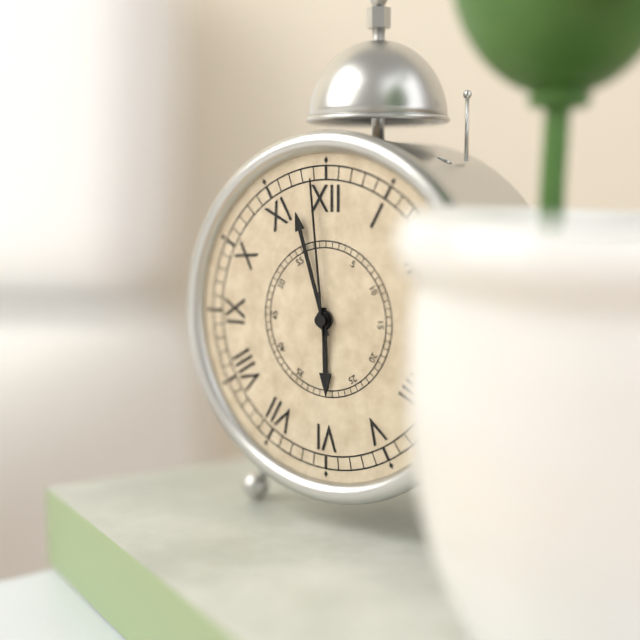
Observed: 5:57:59
